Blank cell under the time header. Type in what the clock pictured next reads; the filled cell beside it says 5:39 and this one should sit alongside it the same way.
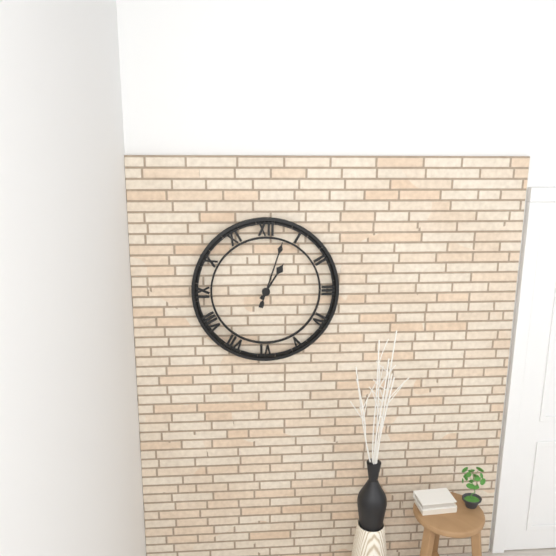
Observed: 1:03
